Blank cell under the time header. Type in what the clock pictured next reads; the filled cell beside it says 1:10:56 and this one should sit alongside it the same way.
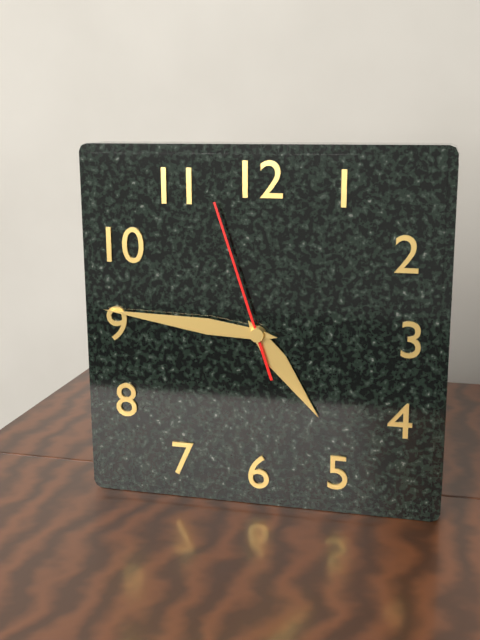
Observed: 4:46:57
